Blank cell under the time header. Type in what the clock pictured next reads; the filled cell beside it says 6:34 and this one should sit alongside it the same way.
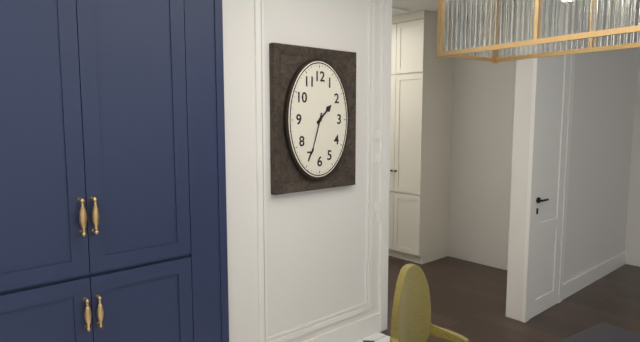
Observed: 1:33
